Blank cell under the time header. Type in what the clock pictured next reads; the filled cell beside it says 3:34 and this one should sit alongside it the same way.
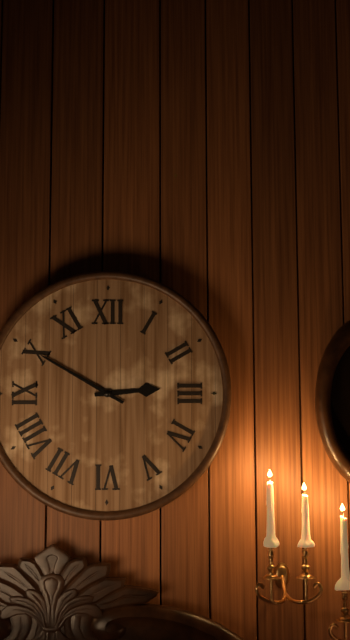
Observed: 2:50
